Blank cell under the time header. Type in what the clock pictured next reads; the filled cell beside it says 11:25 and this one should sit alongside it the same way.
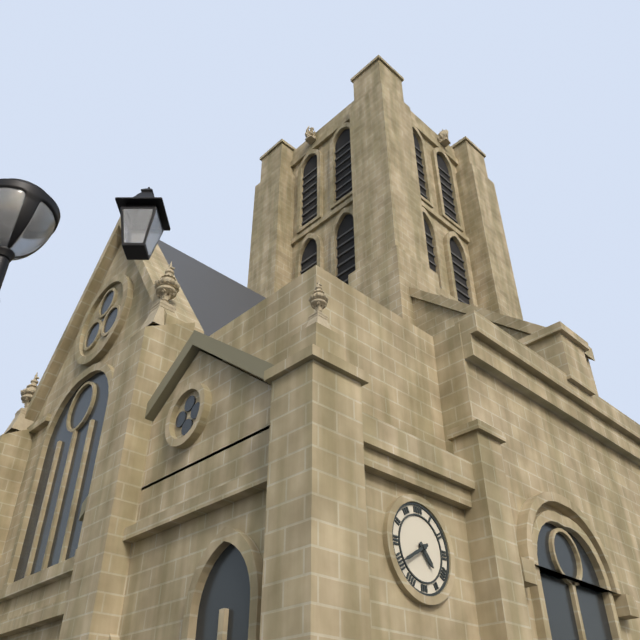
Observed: 4:40
